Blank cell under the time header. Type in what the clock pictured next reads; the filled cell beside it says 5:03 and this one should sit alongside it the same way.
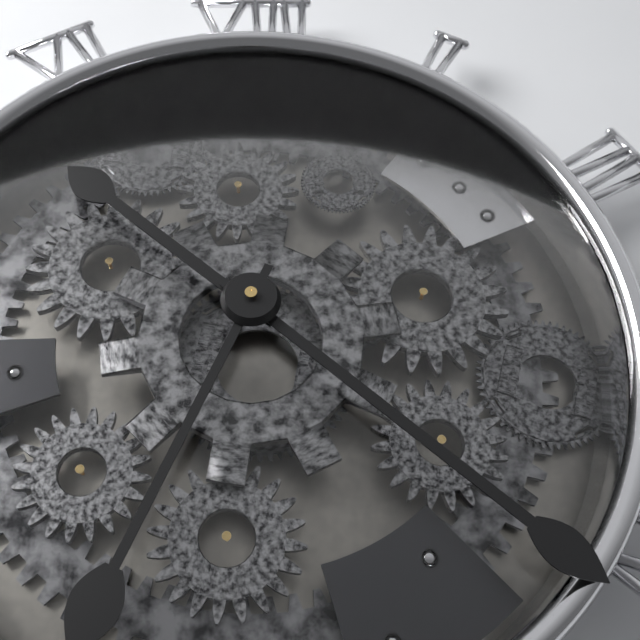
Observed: 10:22
